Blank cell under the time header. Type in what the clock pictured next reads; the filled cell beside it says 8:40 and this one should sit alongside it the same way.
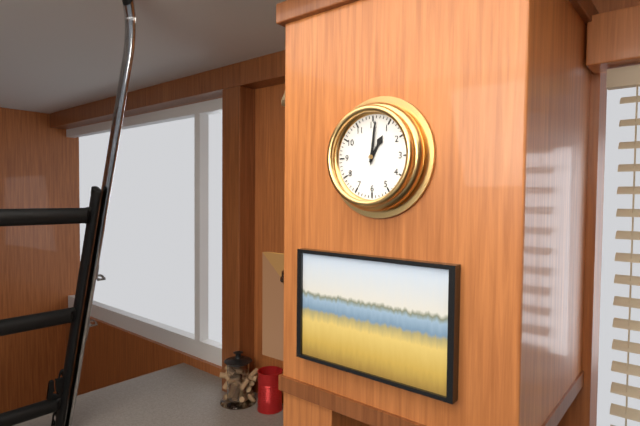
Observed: 1:01
